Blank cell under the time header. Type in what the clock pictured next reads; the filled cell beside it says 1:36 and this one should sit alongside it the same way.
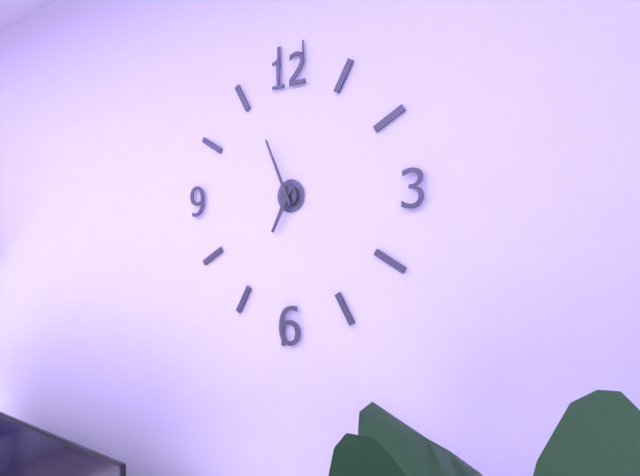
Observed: 6:56
